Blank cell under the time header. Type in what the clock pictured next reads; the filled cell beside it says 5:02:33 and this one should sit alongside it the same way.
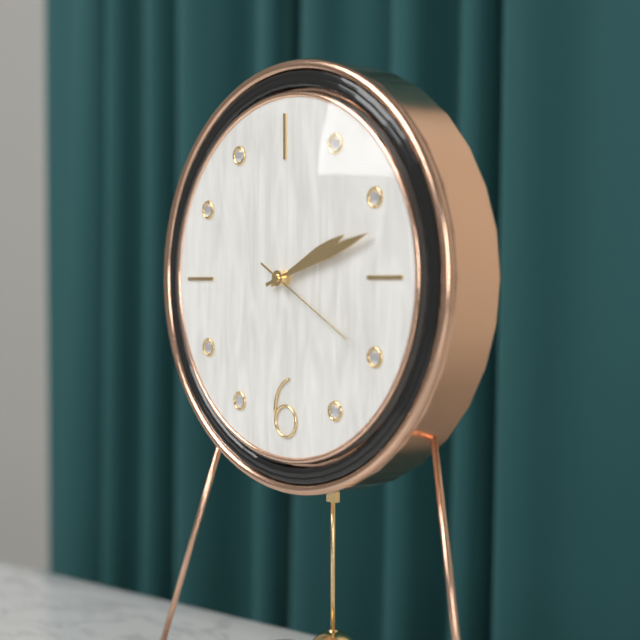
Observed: 2:12:20
